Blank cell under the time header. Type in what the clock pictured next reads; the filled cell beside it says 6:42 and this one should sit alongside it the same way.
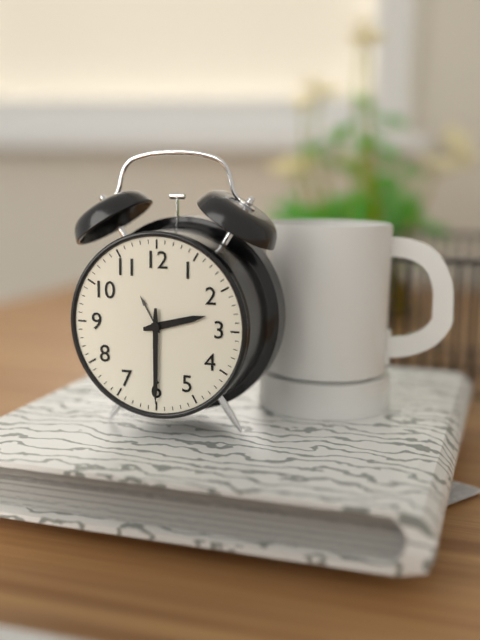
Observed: 2:30
